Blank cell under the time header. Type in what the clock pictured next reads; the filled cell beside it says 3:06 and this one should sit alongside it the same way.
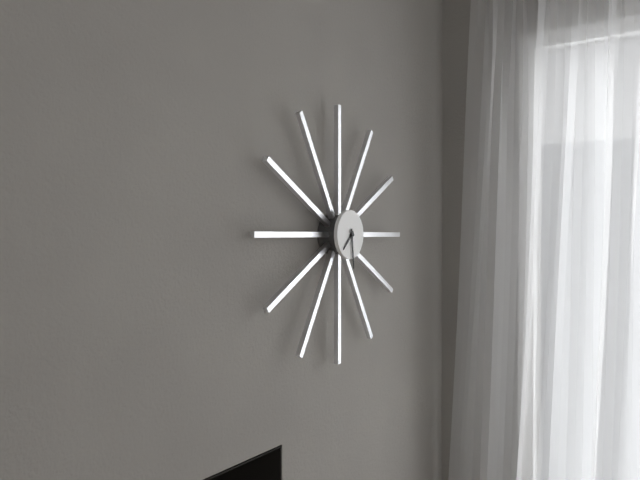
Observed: 7:29
